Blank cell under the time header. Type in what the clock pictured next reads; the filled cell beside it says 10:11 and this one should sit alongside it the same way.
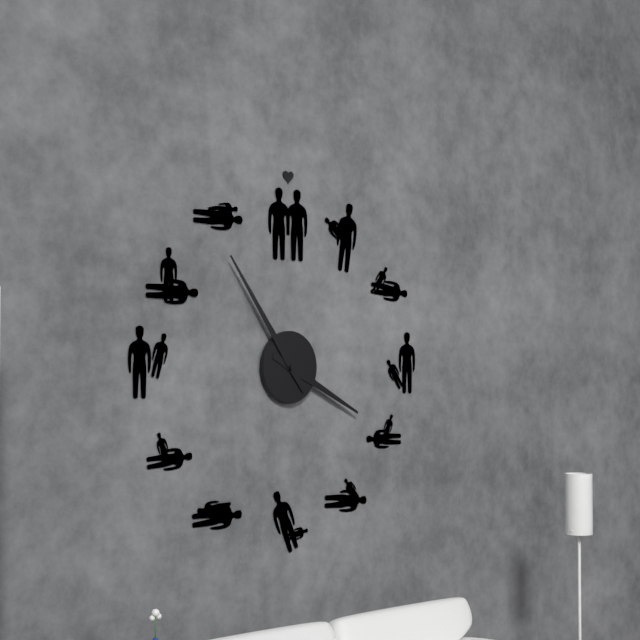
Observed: 3:54
